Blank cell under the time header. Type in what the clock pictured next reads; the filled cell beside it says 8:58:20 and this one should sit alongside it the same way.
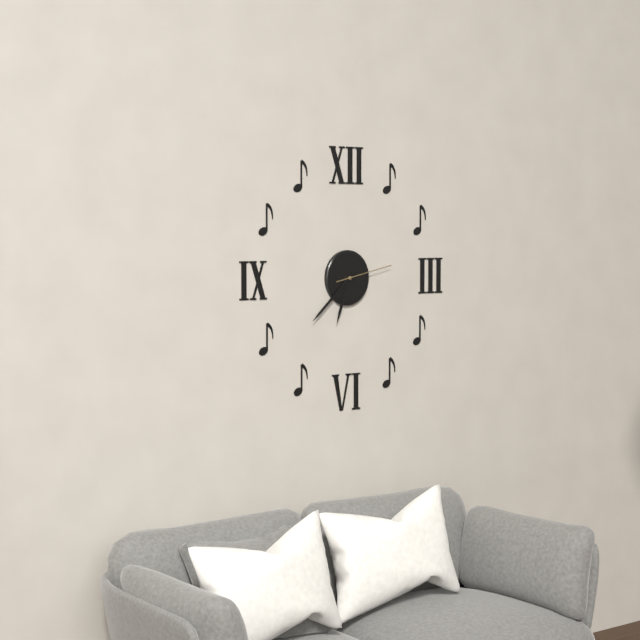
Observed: 6:38:13
